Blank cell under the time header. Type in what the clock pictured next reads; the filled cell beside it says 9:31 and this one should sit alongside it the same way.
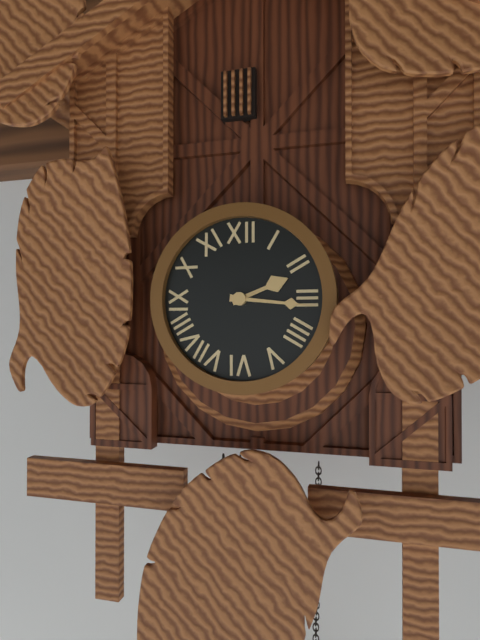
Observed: 2:16
